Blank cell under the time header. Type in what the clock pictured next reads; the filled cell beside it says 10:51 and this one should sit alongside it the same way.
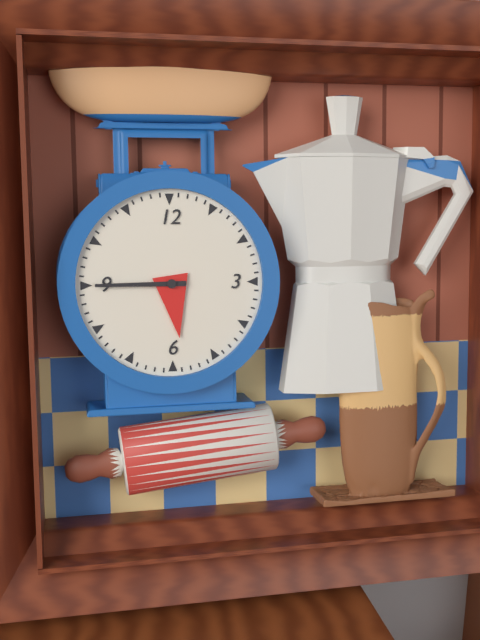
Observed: 5:45
